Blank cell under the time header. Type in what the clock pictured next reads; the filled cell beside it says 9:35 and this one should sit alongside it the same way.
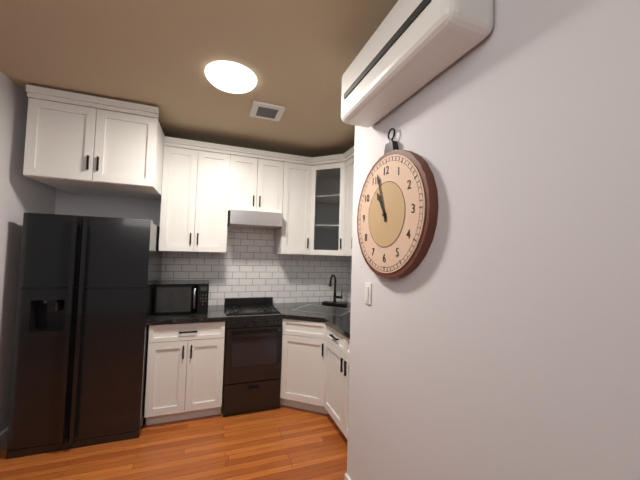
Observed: 10:57
